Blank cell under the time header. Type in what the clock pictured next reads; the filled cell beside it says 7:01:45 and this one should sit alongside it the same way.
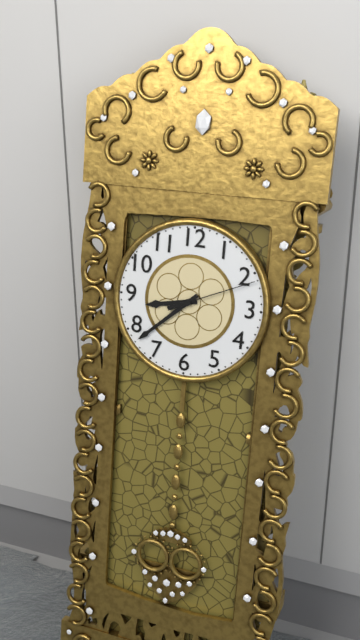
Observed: 8:38:11
